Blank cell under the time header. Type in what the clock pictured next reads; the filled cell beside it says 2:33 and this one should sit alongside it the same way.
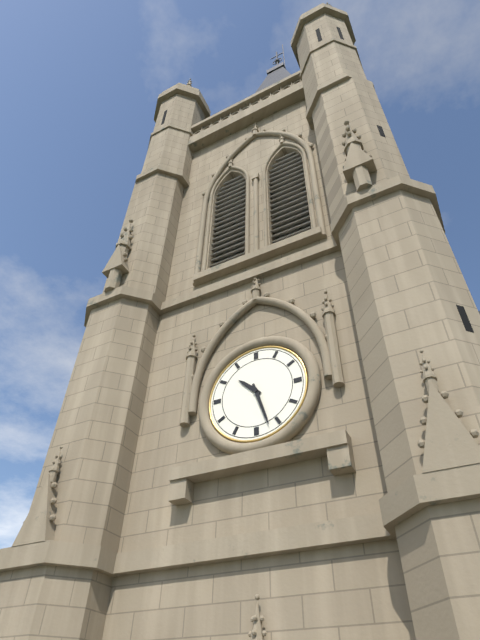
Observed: 10:27
